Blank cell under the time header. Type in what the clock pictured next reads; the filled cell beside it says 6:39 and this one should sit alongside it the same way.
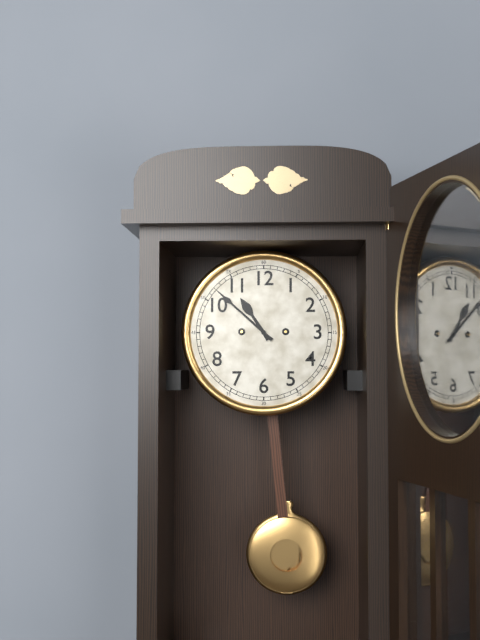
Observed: 10:52
